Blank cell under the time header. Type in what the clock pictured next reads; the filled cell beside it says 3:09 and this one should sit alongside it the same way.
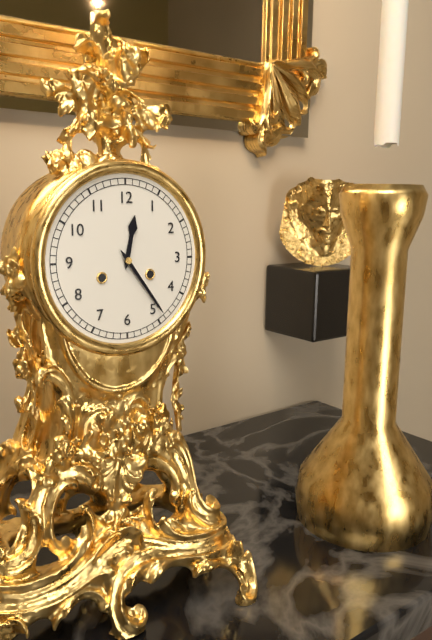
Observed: 12:24
